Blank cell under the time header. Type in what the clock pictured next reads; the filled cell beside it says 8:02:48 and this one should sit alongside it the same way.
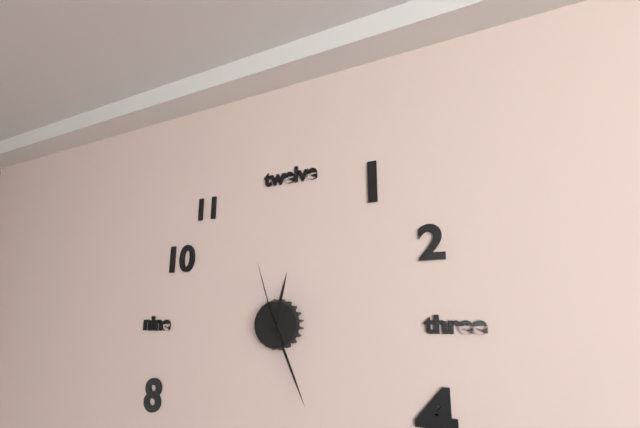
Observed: 12:26:57
